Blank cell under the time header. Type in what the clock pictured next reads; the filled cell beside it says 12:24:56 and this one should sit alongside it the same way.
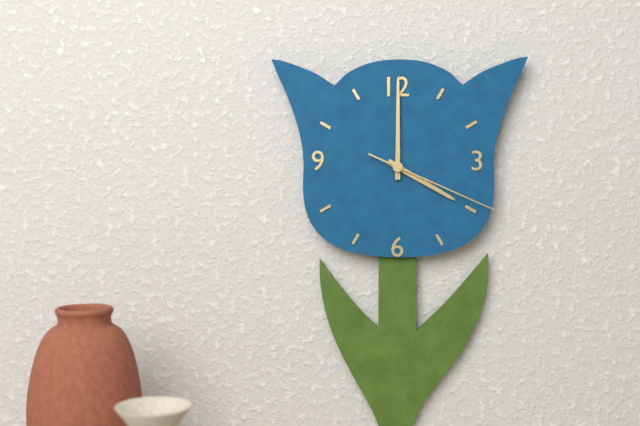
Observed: 4:00:19
